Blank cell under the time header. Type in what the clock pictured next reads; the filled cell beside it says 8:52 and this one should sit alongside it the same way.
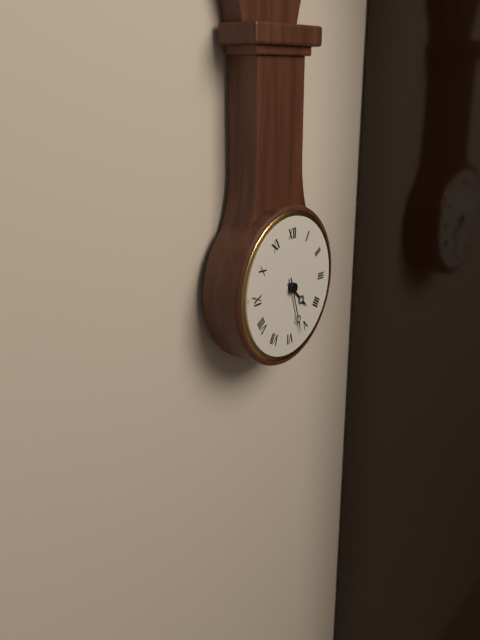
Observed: 4:27
